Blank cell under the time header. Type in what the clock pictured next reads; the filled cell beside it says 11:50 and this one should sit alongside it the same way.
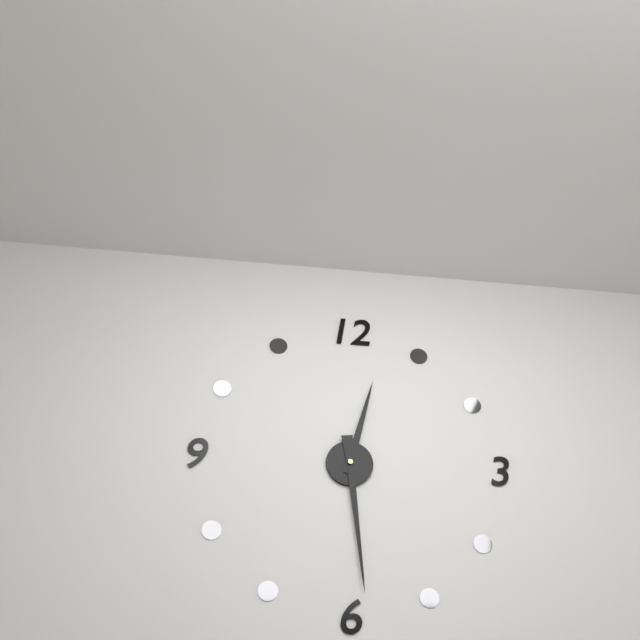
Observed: 12:29
